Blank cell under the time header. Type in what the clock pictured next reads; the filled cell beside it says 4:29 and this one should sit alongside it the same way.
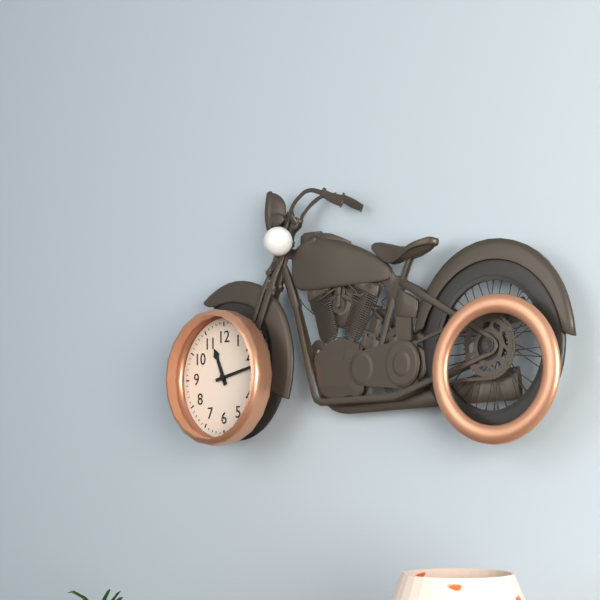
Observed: 11:13
